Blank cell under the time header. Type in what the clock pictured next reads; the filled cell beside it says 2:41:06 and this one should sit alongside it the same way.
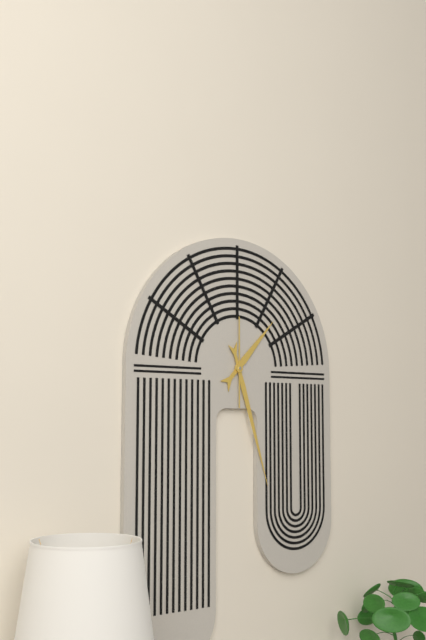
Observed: 1:27:00
